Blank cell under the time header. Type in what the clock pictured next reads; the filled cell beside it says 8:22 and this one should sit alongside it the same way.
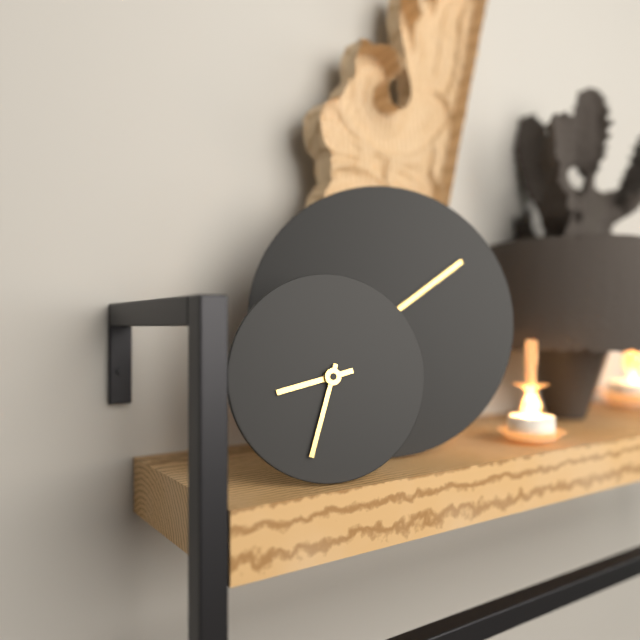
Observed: 8:33
